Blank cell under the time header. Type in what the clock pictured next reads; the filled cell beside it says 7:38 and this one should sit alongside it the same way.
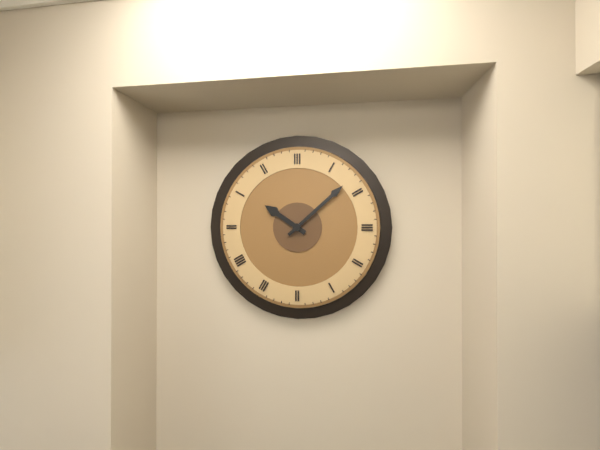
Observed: 10:08
